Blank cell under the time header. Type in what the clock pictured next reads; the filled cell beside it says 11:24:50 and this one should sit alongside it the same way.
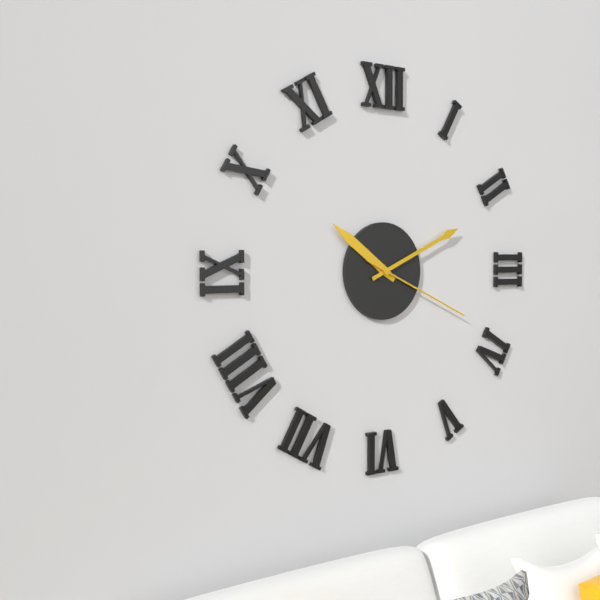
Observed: 10:11:19
